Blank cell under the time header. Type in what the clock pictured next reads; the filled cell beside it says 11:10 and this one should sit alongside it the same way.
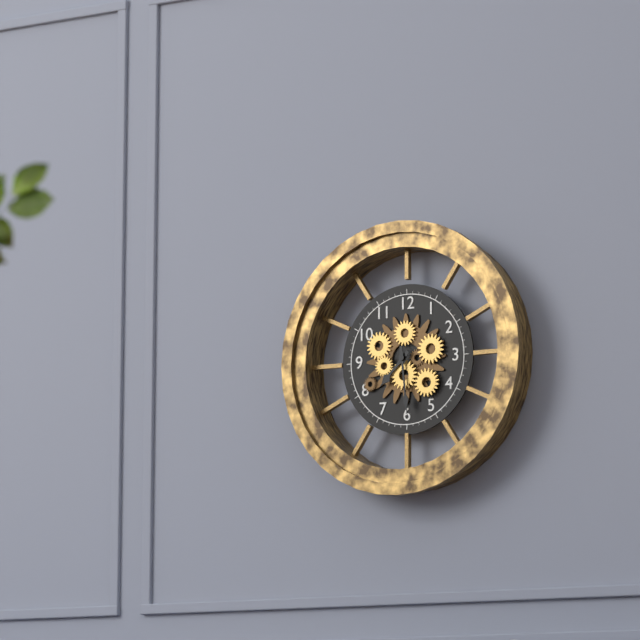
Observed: 7:29
